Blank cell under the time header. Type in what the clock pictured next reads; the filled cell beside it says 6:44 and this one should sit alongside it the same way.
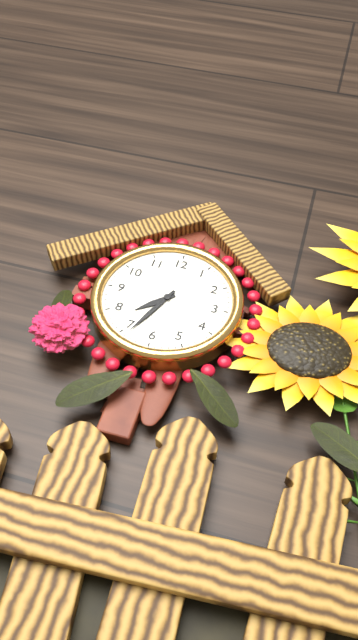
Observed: 7:34
